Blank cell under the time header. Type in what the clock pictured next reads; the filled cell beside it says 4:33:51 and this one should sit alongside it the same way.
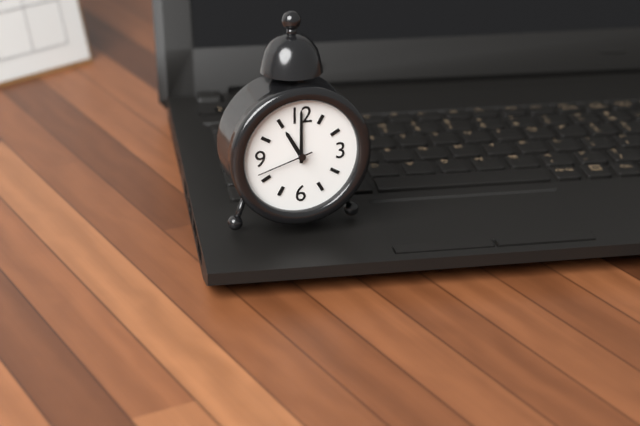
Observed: 11:00:42
